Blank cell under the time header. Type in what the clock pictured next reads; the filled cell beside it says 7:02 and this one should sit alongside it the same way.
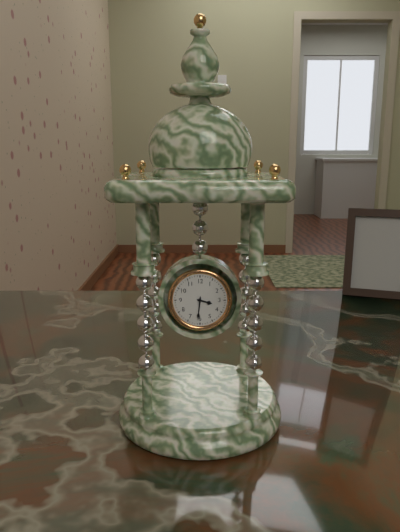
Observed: 3:31
